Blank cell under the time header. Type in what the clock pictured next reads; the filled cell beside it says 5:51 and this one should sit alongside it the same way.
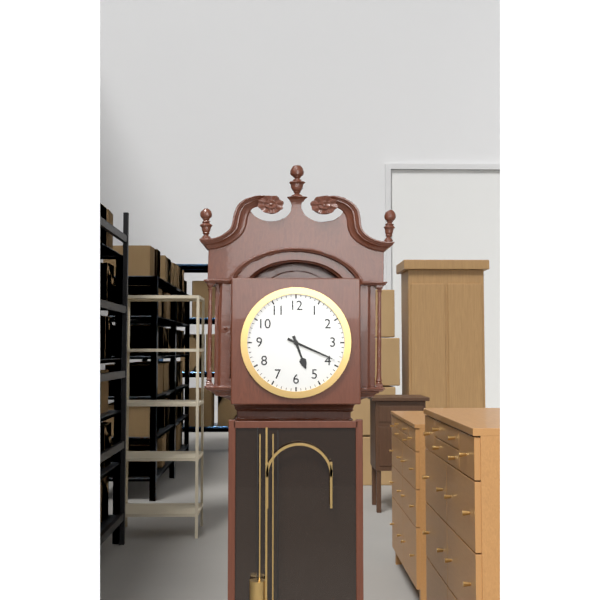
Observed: 5:19
